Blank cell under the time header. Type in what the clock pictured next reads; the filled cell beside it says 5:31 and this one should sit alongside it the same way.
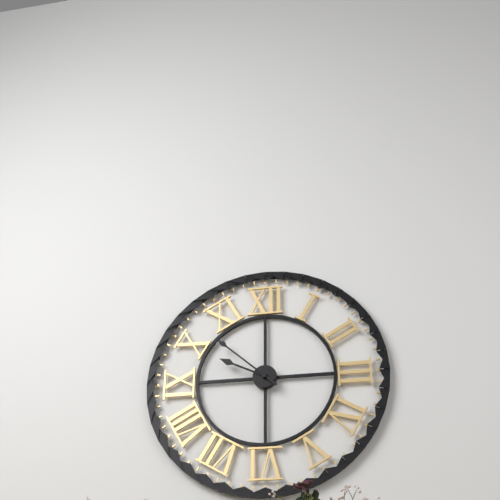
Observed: 9:52
